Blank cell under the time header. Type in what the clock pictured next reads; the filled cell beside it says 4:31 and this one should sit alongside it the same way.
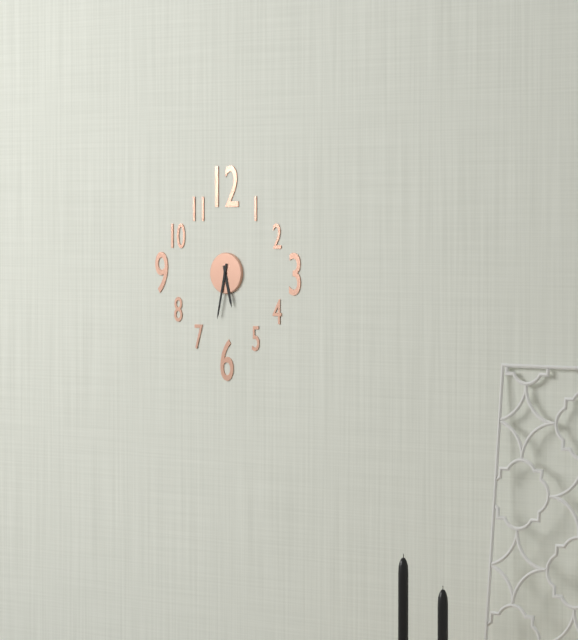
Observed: 5:32
